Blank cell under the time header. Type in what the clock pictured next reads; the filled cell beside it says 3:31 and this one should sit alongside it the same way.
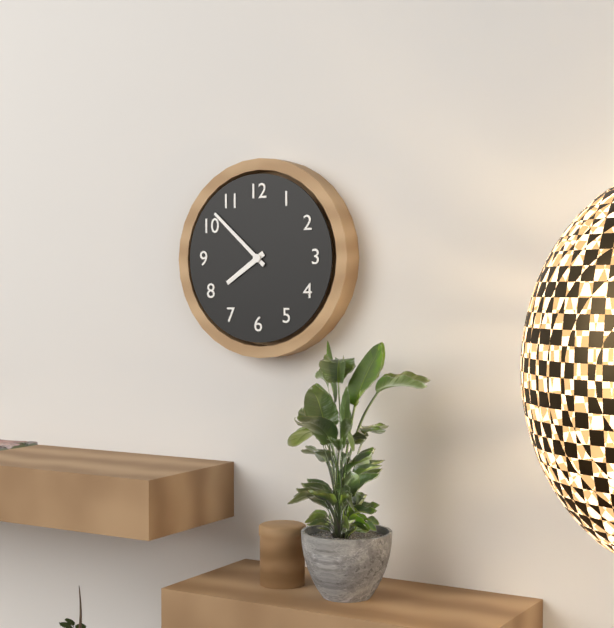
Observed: 7:52
